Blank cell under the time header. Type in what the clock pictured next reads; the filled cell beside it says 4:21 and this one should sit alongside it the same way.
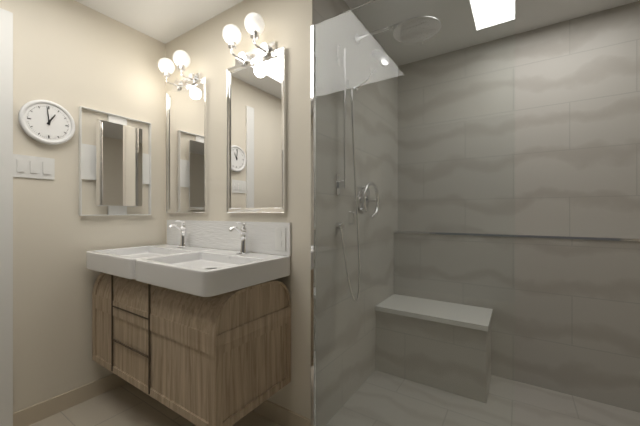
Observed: 12:59
